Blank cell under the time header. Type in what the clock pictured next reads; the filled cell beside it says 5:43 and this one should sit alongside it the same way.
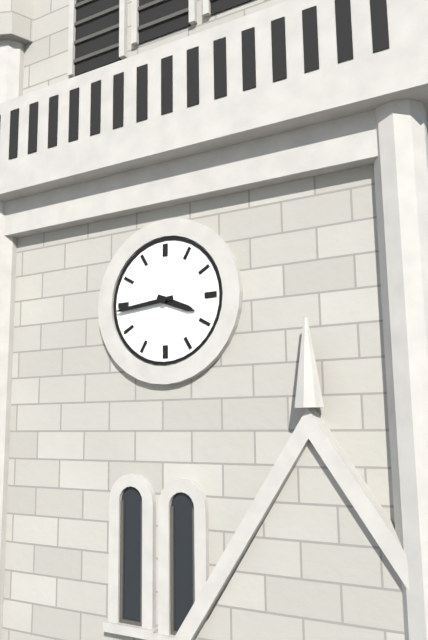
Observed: 3:44
